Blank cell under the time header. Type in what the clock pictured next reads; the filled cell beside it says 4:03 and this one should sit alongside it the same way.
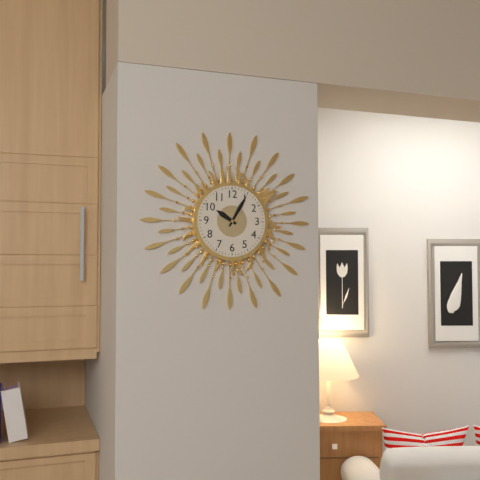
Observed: 10:05
